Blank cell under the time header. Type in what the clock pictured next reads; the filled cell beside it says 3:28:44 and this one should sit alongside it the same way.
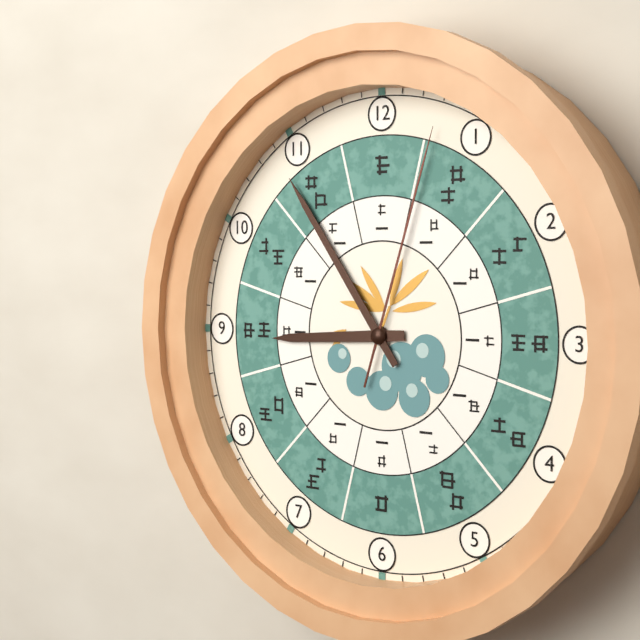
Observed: 8:54:03
